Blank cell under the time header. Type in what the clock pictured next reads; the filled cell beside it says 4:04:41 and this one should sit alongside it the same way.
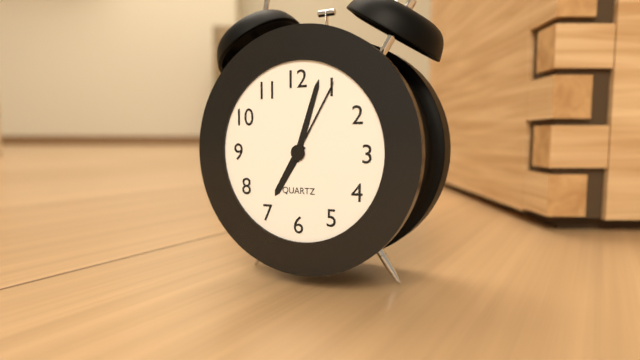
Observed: 7:03:05
